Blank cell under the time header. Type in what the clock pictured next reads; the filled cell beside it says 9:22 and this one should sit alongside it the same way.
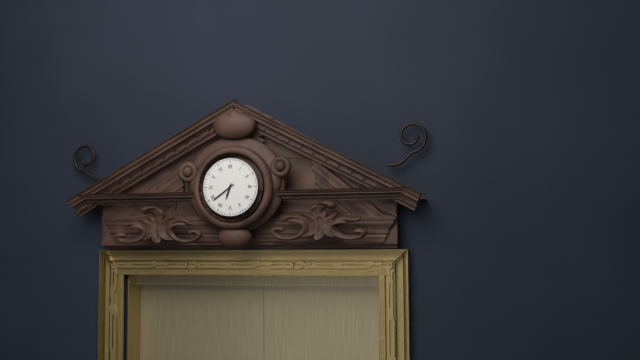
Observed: 6:39
